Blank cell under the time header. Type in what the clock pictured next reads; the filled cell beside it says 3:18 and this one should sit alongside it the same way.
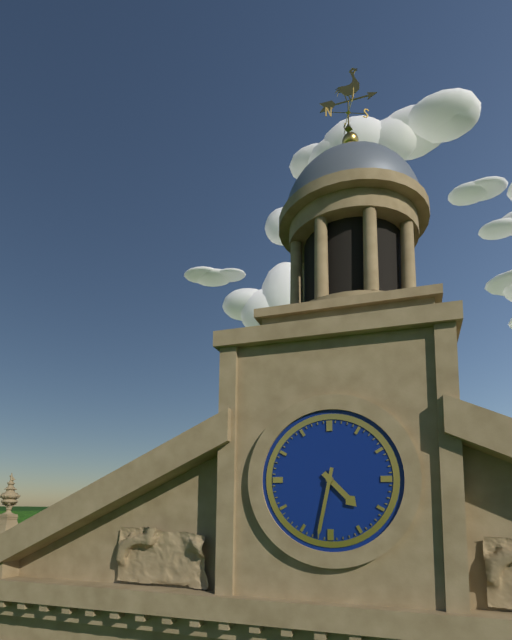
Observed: 4:32
